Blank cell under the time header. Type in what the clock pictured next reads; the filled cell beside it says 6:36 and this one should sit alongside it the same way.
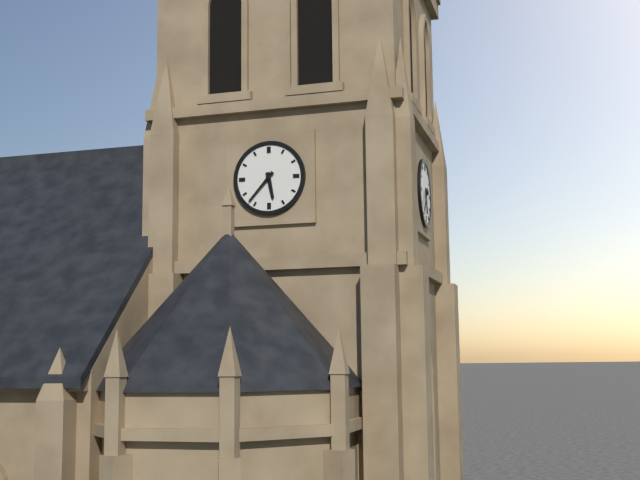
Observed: 5:37
